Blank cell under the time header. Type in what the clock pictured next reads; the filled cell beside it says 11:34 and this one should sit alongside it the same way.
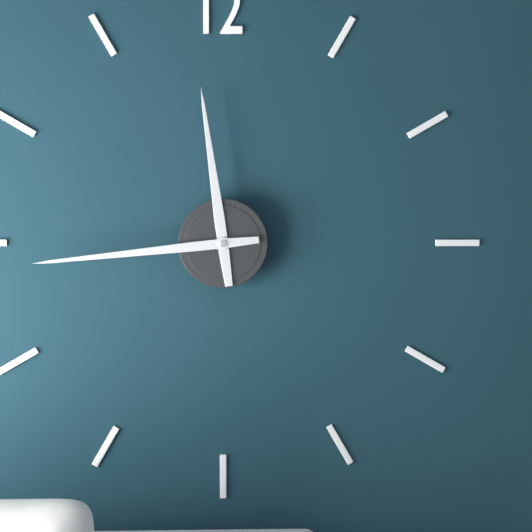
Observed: 11:44
